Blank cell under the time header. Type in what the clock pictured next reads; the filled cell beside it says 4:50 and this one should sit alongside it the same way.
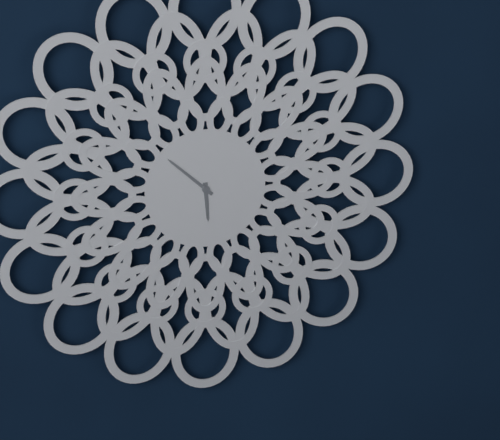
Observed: 5:52
